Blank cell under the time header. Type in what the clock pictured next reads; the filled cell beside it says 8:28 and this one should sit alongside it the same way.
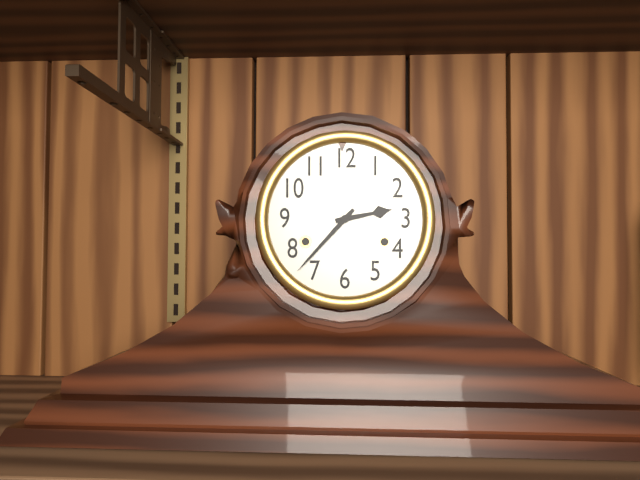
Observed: 2:37
